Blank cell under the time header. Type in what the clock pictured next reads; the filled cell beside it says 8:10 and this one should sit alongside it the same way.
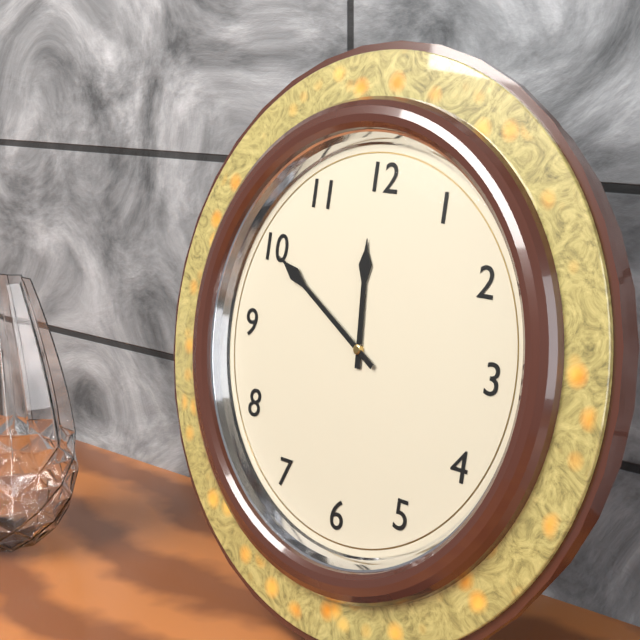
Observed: 11:50
